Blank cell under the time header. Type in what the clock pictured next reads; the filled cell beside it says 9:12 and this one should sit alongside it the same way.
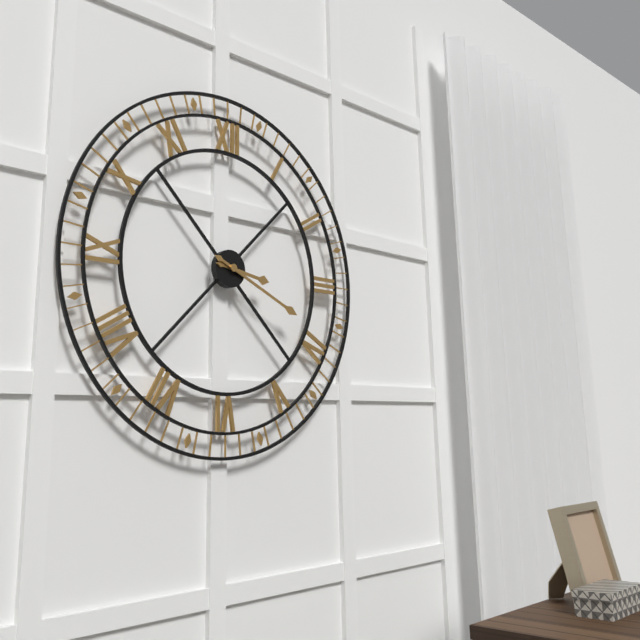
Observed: 3:19
